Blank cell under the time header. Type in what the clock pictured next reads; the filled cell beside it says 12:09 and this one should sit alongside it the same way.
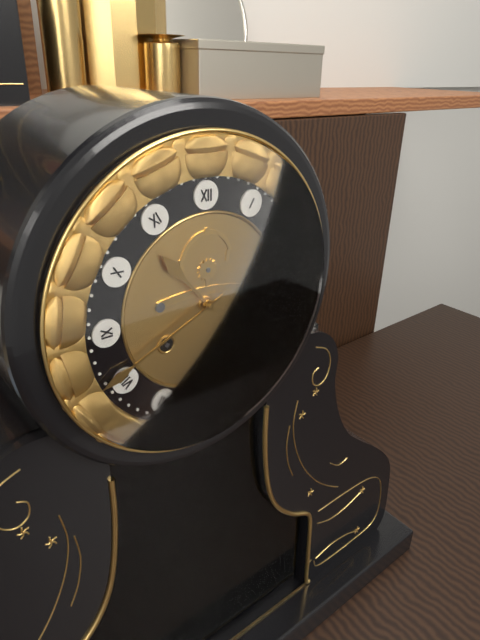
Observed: 10:41
